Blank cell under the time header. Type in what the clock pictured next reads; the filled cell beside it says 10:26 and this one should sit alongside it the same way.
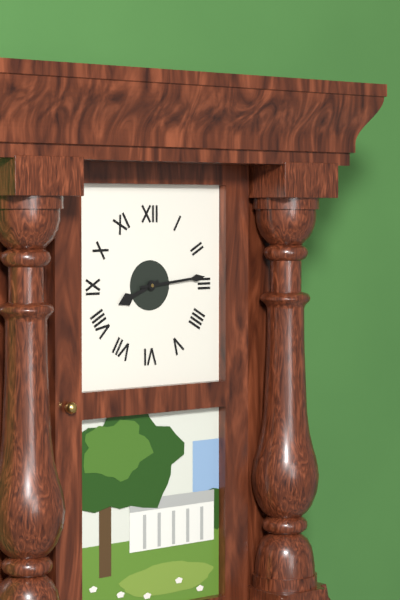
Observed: 8:14
